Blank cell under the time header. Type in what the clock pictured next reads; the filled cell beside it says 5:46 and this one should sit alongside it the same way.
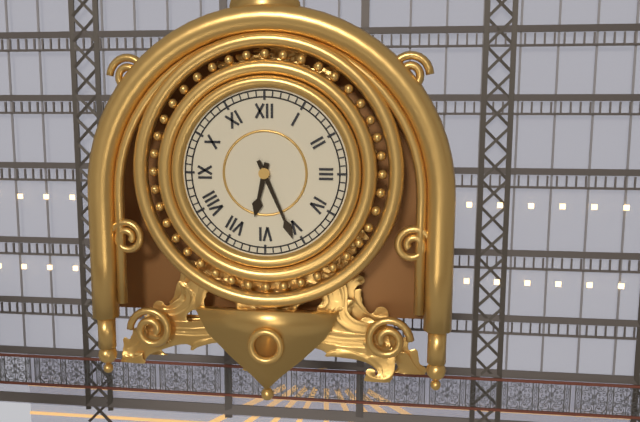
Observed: 6:26
